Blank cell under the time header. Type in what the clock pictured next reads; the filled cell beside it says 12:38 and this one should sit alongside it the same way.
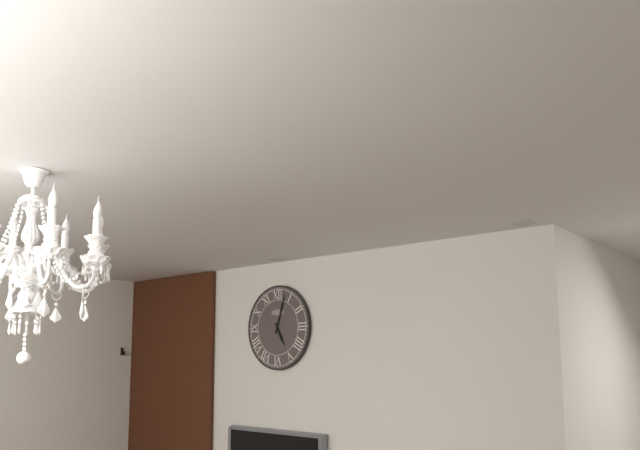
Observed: 5:03
